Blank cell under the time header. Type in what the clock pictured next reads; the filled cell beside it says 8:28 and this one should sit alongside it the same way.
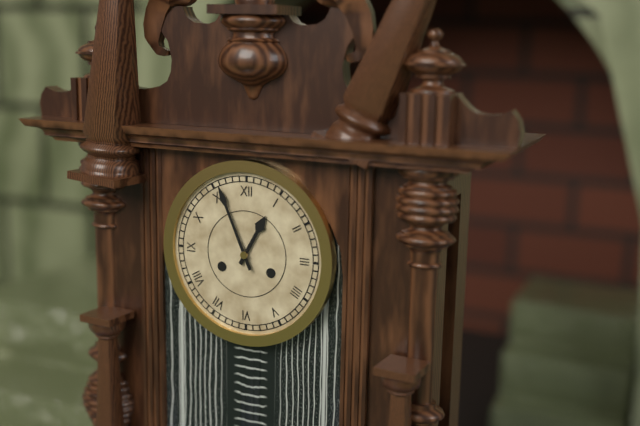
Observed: 12:56
